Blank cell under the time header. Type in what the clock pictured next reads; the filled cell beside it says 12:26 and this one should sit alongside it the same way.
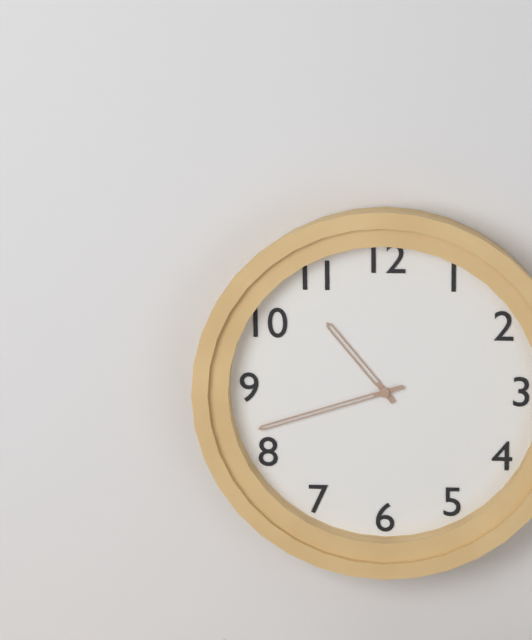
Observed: 10:42
